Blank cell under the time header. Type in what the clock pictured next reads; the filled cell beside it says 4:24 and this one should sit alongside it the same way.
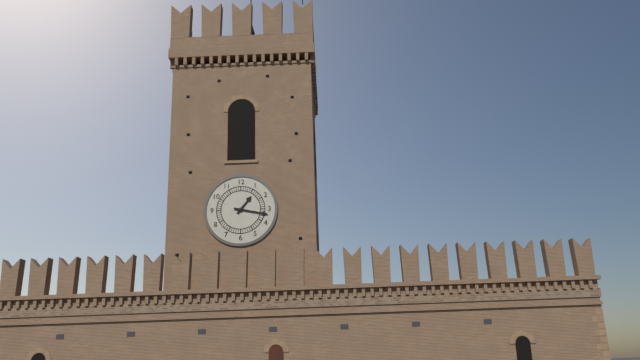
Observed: 1:17
